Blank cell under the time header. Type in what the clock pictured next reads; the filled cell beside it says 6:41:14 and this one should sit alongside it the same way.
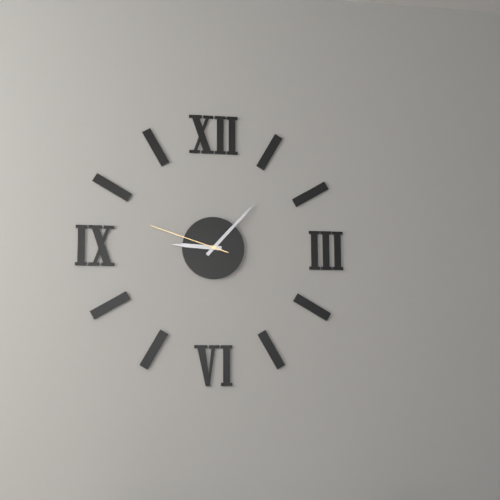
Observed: 9:07:48
